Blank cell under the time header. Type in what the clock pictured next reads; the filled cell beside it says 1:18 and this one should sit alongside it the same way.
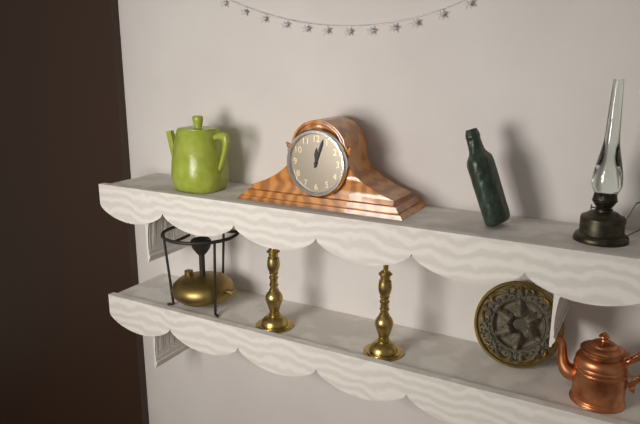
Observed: 12:03
